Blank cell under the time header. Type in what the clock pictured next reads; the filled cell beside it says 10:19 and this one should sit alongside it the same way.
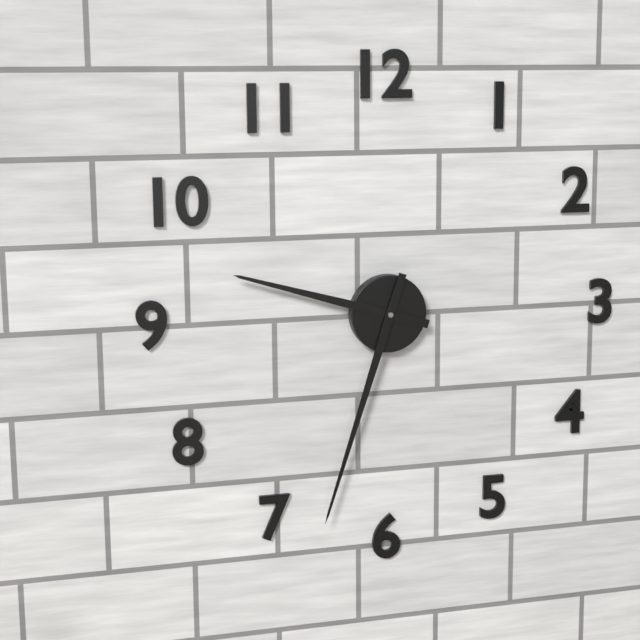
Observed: 9:33
